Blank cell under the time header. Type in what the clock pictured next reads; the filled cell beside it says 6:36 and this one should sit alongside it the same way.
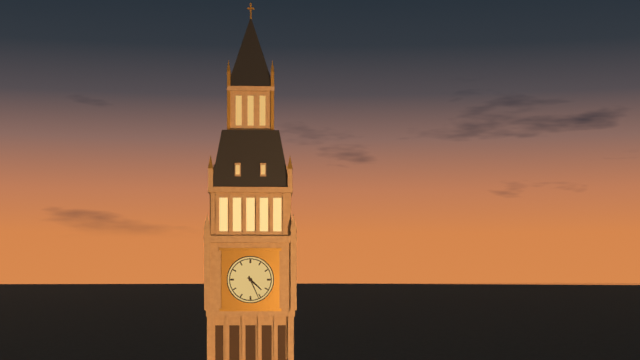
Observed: 4:26
